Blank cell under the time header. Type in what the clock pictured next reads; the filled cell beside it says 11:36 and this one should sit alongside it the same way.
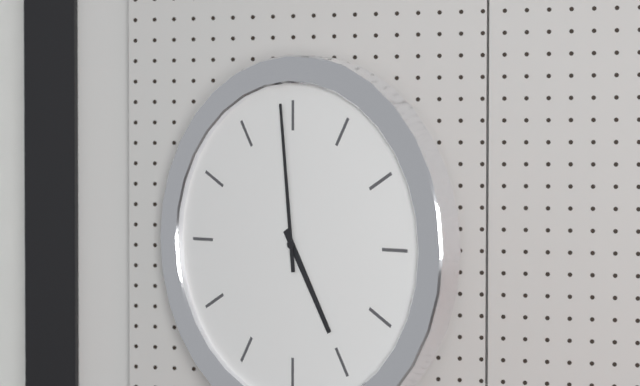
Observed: 4:59
